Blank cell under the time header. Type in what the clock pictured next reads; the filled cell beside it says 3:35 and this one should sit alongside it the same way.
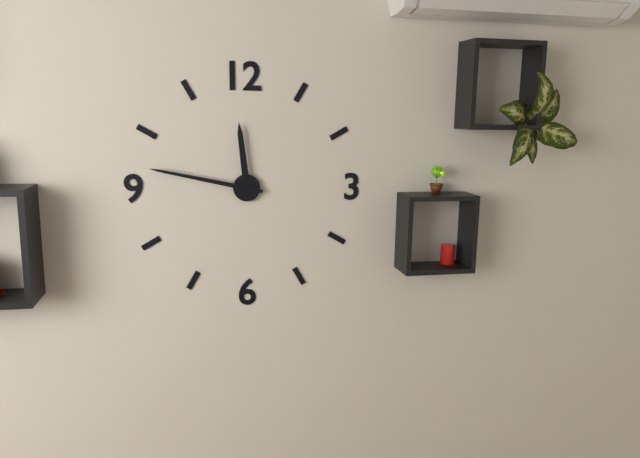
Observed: 11:47
